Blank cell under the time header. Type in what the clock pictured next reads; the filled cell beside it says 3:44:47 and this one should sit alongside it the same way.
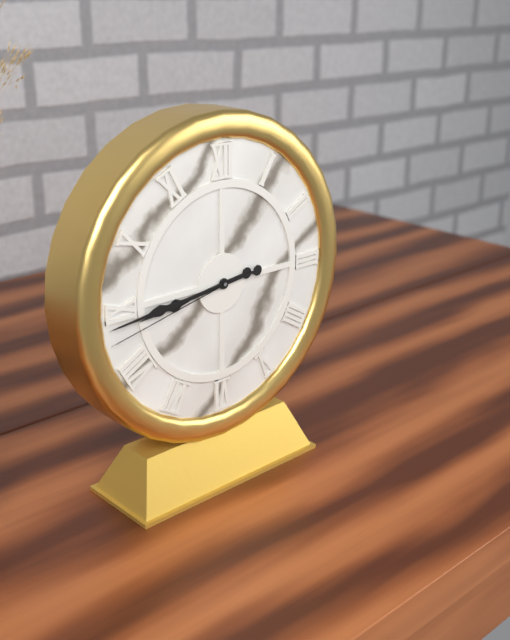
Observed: 8:44:43
